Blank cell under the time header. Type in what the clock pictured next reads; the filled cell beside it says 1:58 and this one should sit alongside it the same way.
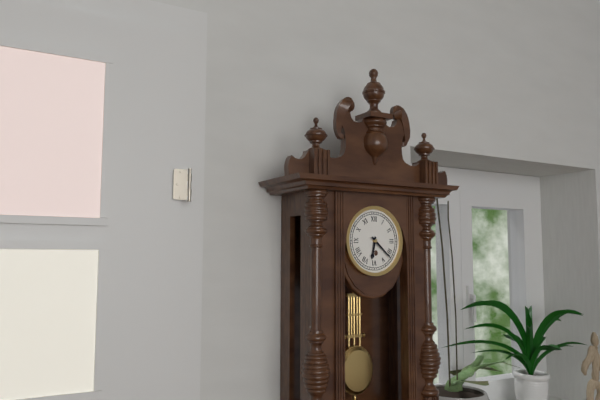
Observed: 6:22
